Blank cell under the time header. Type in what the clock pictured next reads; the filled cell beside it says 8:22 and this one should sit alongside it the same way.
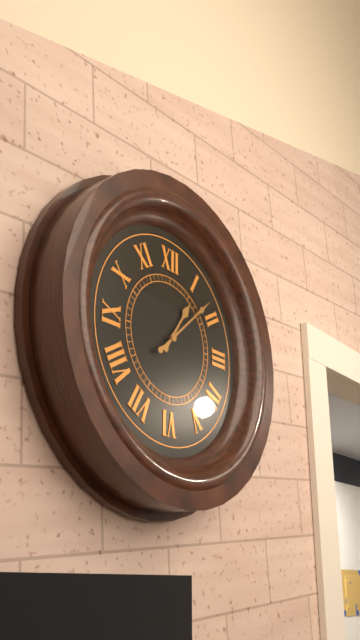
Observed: 1:08
